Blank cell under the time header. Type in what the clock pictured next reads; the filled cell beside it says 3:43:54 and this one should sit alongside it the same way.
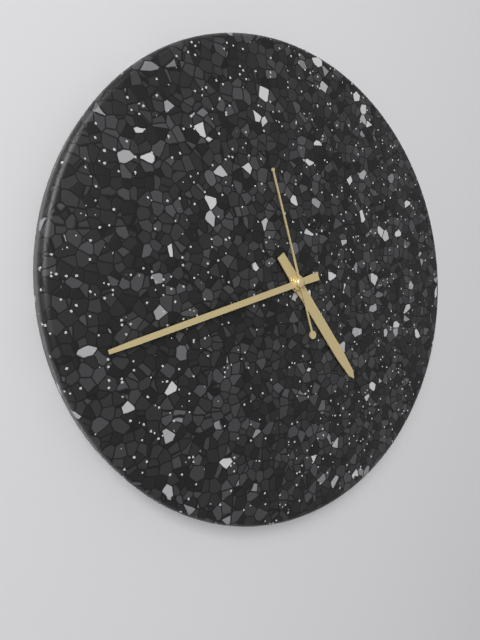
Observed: 4:42:57
